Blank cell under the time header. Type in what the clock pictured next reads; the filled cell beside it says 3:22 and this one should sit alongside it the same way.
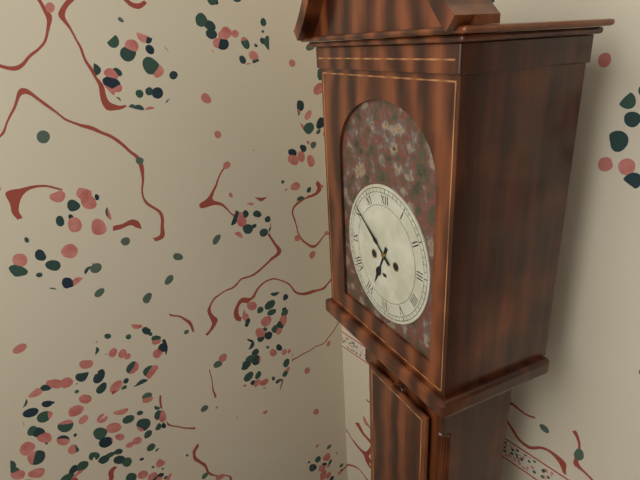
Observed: 6:51
